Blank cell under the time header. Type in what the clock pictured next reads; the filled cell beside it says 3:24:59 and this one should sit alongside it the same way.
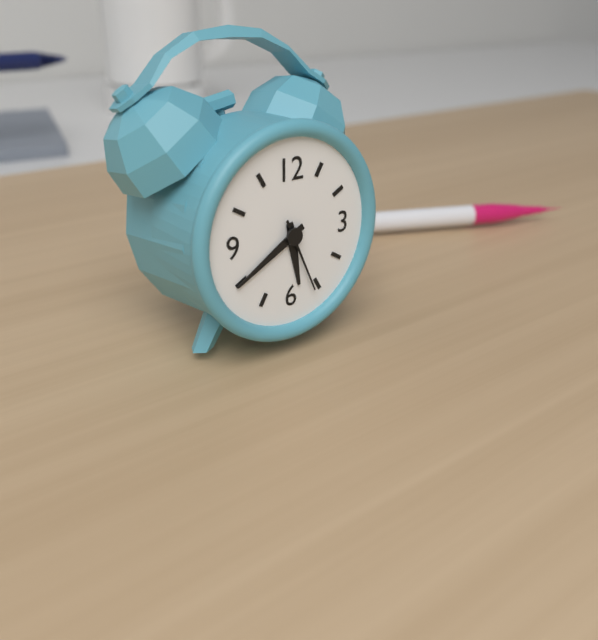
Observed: 5:40:26
